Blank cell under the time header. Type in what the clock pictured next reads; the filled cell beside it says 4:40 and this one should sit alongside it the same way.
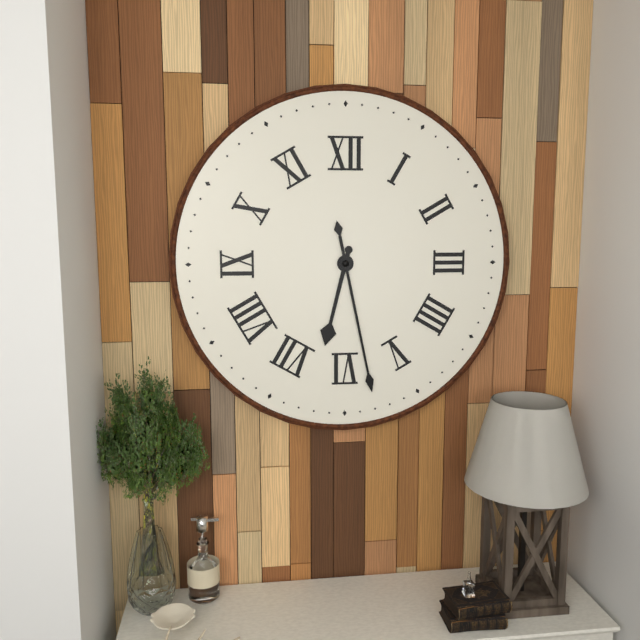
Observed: 6:28
